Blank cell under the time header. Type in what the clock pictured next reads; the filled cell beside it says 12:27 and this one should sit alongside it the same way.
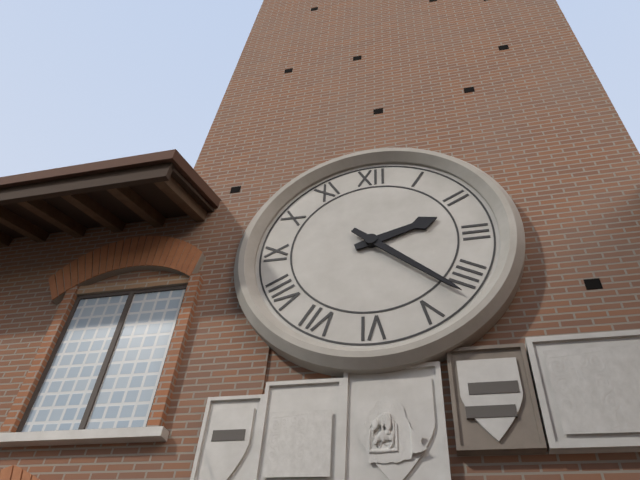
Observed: 2:22
